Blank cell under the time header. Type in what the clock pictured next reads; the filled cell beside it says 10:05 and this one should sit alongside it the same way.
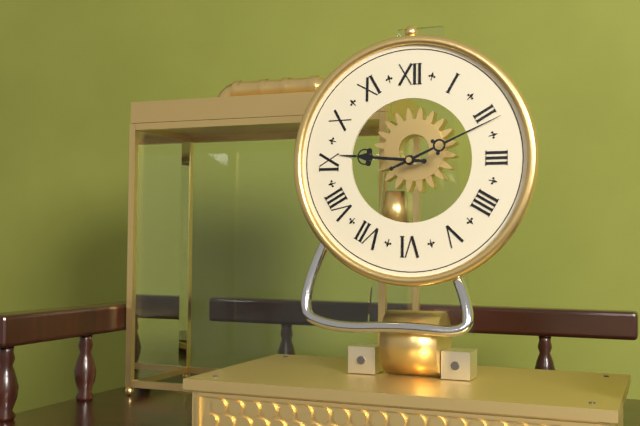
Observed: 9:11
